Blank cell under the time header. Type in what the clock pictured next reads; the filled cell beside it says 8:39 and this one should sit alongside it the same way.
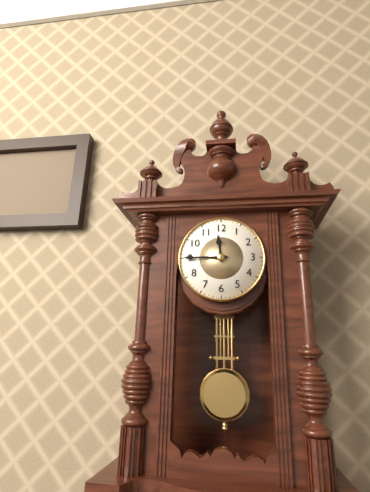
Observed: 11:45
